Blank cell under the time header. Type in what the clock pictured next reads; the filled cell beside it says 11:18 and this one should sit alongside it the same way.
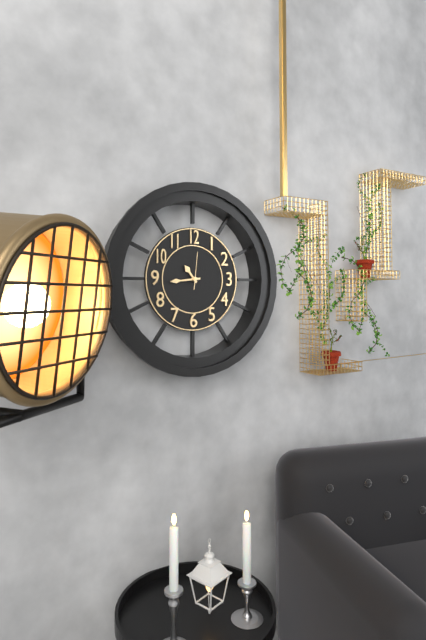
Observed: 10:44
